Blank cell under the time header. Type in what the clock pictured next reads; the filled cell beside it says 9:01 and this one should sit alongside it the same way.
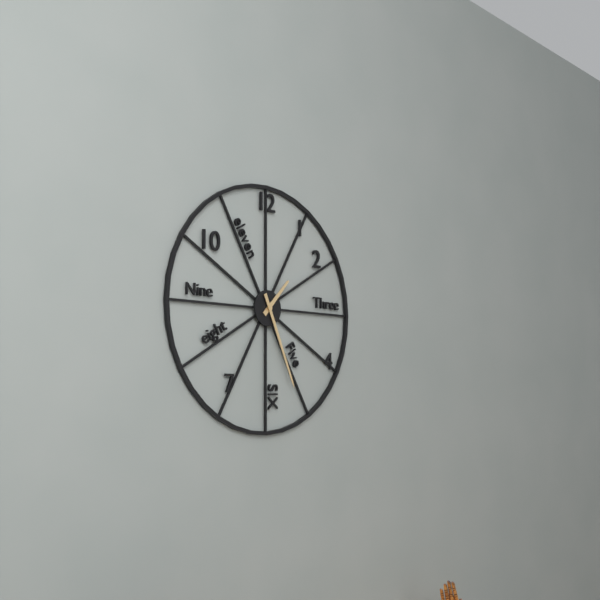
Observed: 1:26
